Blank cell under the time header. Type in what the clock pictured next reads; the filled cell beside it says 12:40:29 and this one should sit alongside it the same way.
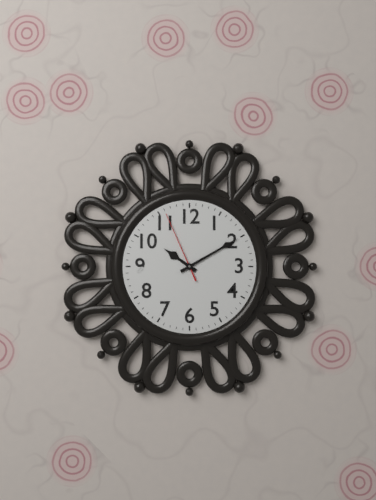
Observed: 10:10:56
